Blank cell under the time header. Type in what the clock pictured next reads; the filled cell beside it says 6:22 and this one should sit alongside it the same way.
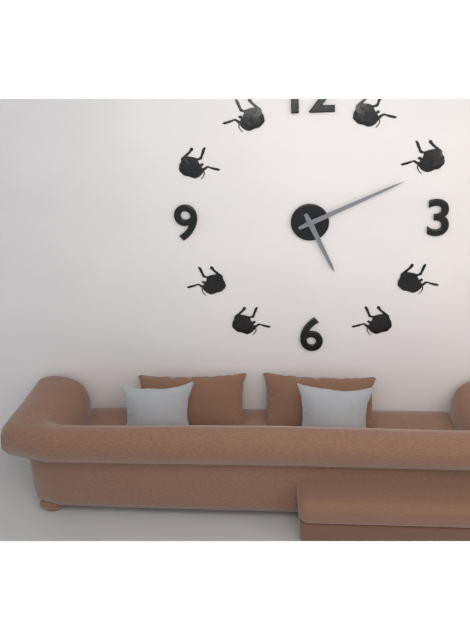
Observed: 5:11
